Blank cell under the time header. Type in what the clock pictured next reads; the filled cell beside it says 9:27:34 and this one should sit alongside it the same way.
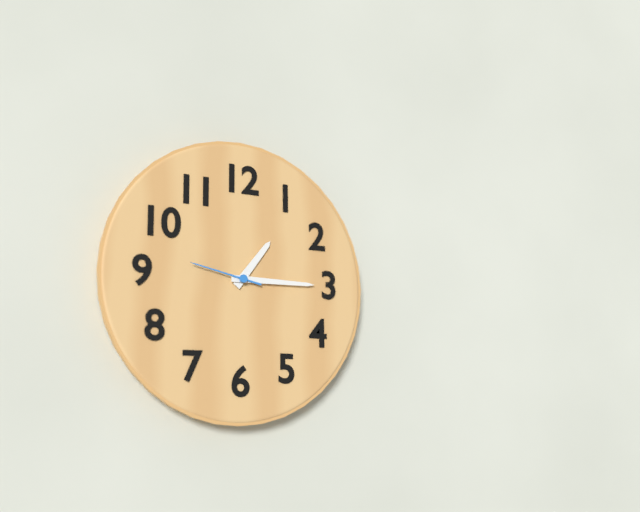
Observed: 1:15:47
